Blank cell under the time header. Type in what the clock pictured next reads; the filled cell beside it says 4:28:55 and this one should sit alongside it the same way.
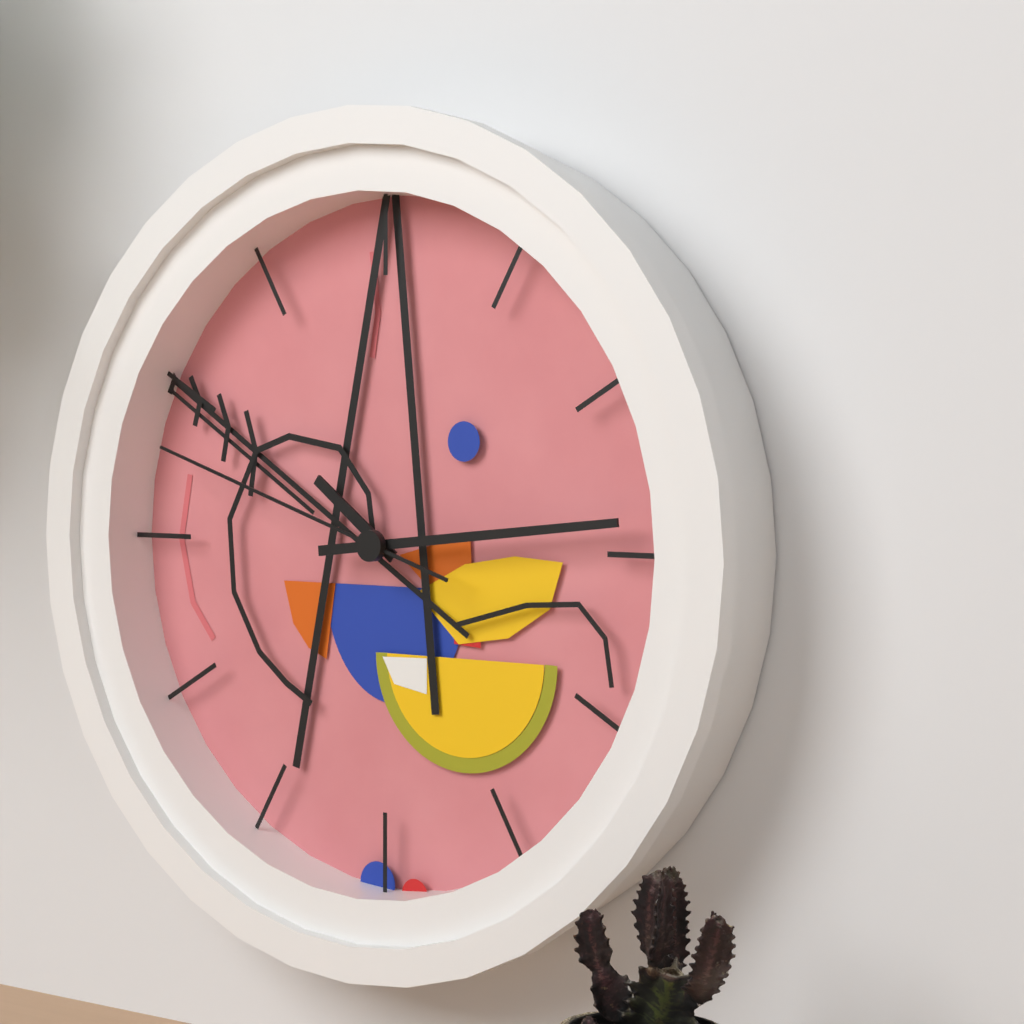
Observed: 10:14:48
